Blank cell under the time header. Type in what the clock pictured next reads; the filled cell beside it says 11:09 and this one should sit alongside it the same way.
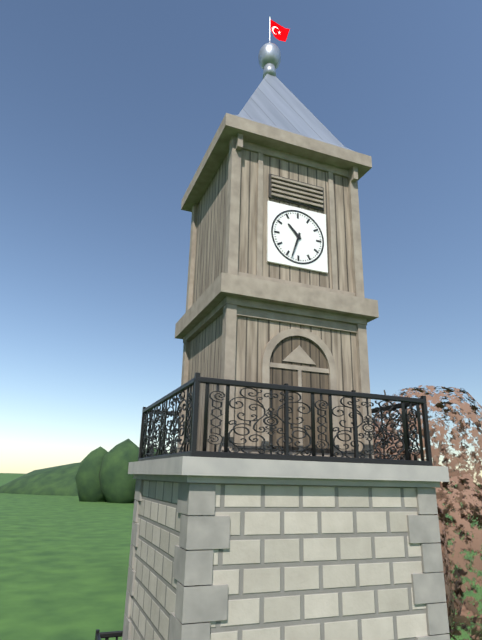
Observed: 10:33
